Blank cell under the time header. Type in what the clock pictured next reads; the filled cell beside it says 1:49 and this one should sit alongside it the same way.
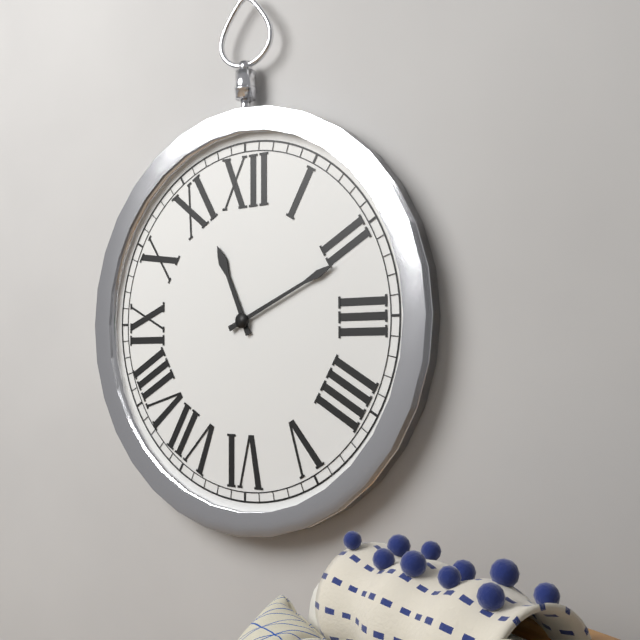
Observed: 11:11
